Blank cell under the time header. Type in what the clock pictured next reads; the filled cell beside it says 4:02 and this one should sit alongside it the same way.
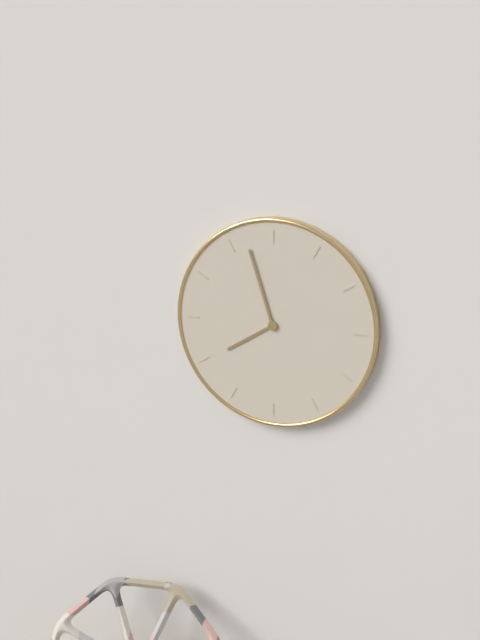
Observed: 7:57
